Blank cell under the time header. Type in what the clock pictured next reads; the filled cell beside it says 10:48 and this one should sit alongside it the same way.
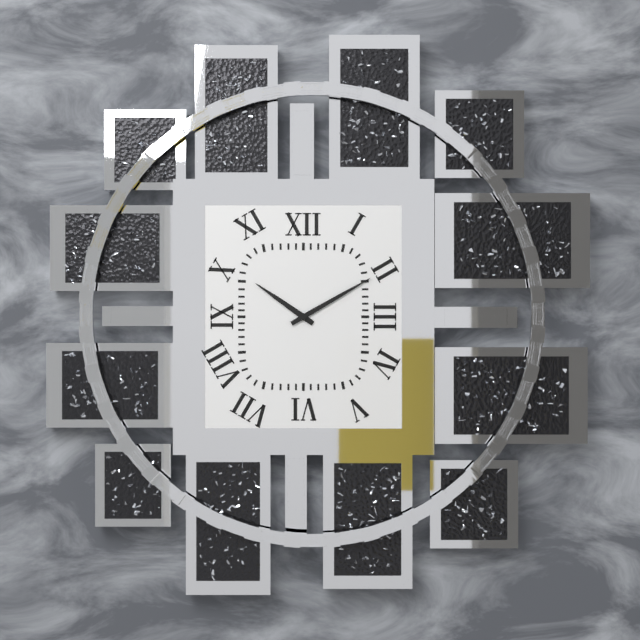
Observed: 10:10
